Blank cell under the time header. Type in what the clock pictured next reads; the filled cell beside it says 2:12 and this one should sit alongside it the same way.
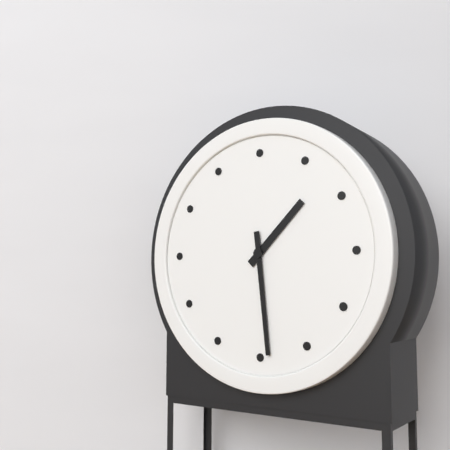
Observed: 1:29
